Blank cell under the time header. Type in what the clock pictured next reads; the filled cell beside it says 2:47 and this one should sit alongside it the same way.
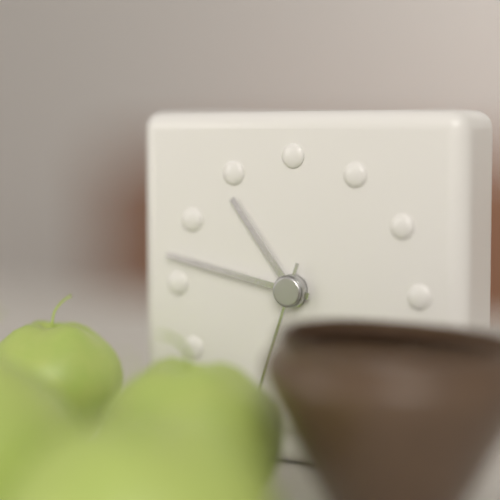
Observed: 10:47
